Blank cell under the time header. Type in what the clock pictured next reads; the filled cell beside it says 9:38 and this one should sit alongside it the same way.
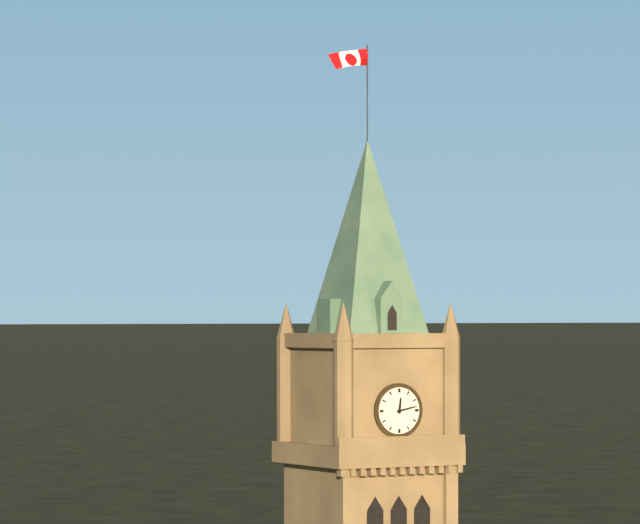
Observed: 12:13
